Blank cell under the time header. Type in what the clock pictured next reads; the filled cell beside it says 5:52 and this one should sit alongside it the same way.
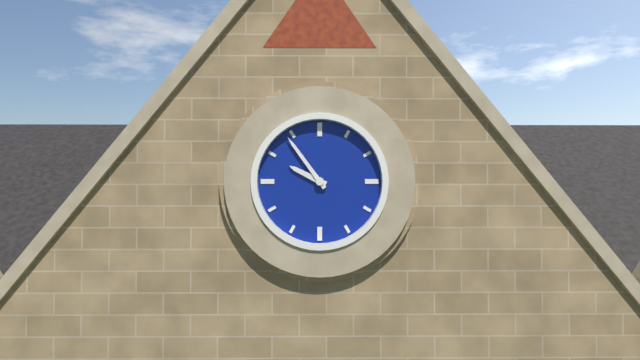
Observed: 9:54
